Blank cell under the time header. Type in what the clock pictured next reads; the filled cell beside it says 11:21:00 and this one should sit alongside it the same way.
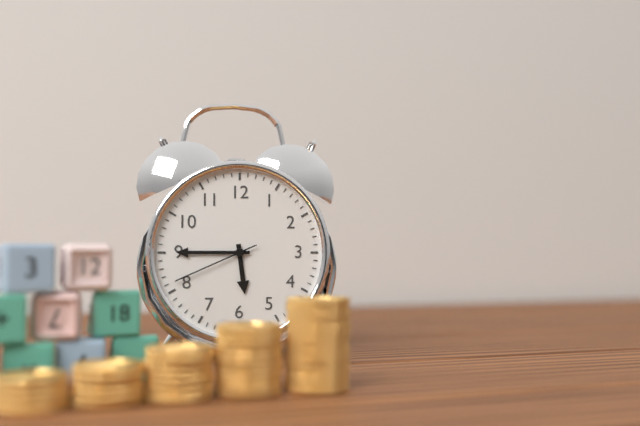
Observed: 5:45:41
